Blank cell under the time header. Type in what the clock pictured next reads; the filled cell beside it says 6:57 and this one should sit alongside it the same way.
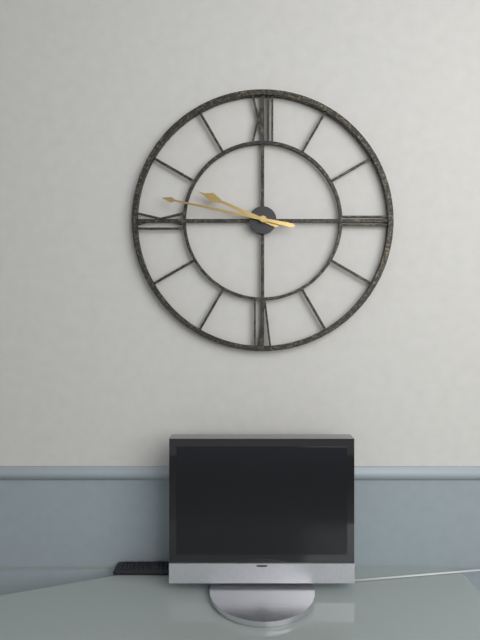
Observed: 9:47
